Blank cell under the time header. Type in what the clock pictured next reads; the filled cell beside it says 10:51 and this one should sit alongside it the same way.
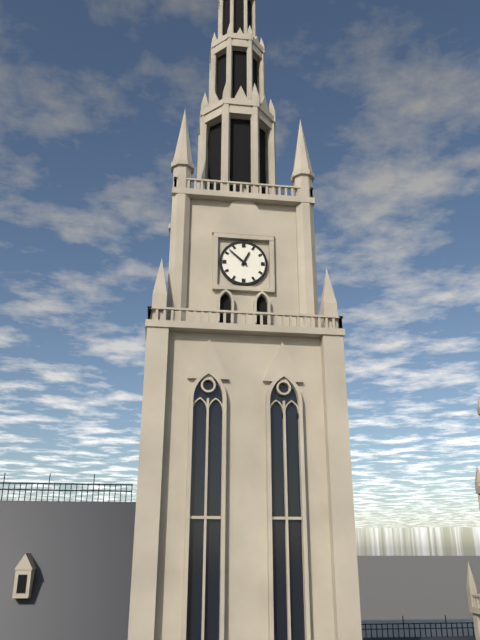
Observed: 12:52
